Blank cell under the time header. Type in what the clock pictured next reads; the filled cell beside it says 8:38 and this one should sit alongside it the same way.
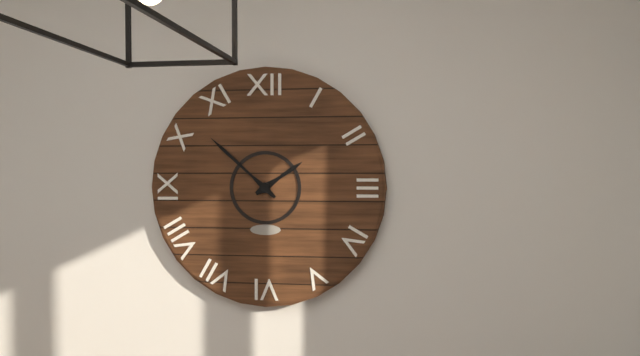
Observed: 1:52
